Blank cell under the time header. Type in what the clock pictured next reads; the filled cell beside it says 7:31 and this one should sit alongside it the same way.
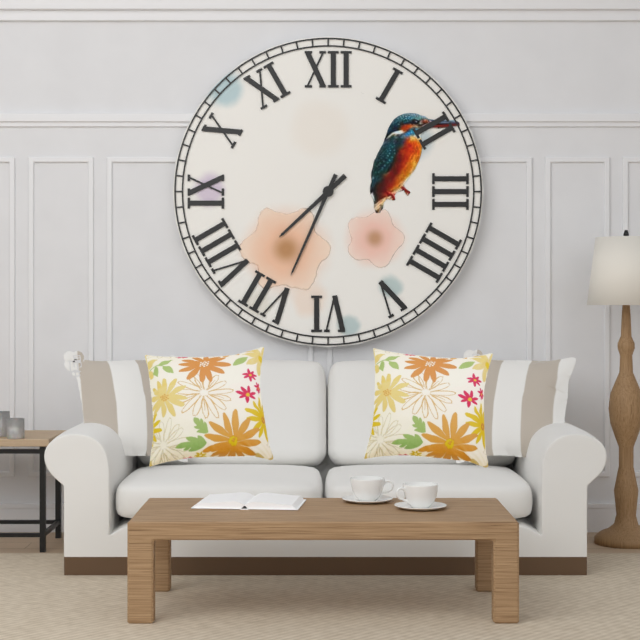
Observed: 7:34
